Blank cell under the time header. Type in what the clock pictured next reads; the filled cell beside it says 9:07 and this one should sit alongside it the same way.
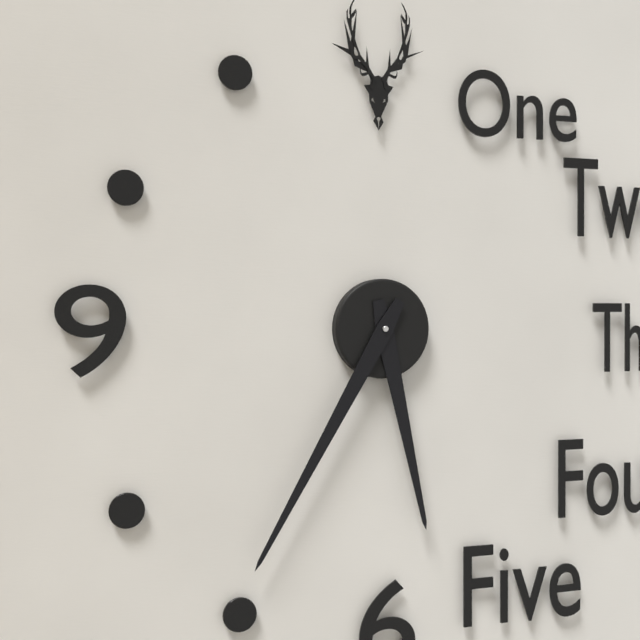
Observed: 5:35
